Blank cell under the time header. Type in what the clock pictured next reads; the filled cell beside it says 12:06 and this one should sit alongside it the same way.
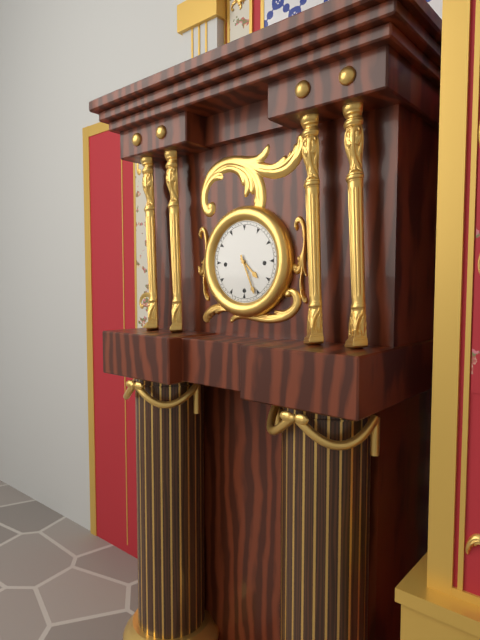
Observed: 4:26
